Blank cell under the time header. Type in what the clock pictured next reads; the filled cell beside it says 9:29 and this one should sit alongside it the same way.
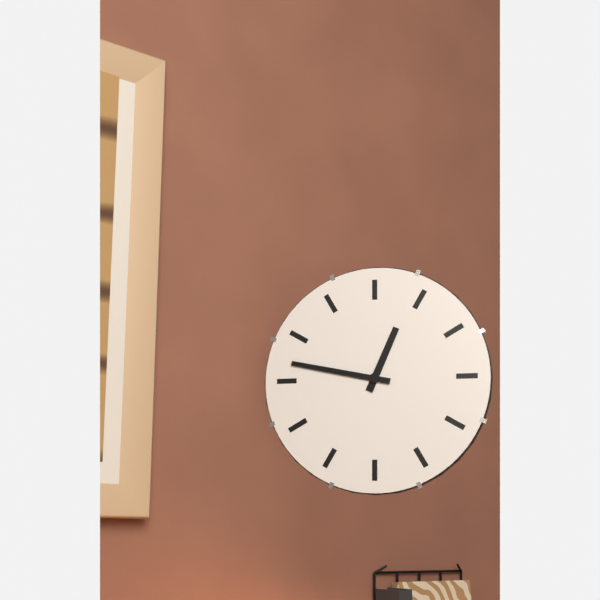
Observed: 12:47
